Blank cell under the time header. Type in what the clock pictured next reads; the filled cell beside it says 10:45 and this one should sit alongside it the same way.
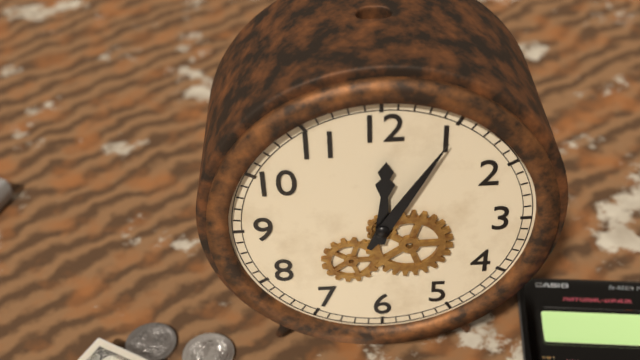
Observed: 12:05
